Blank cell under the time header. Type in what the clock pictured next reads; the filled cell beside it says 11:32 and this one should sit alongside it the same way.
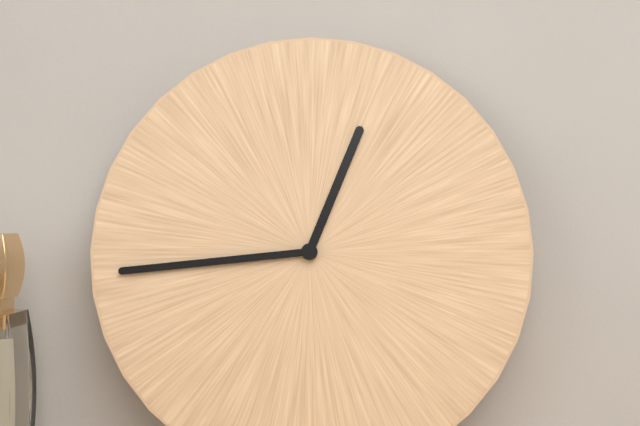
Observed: 12:44
